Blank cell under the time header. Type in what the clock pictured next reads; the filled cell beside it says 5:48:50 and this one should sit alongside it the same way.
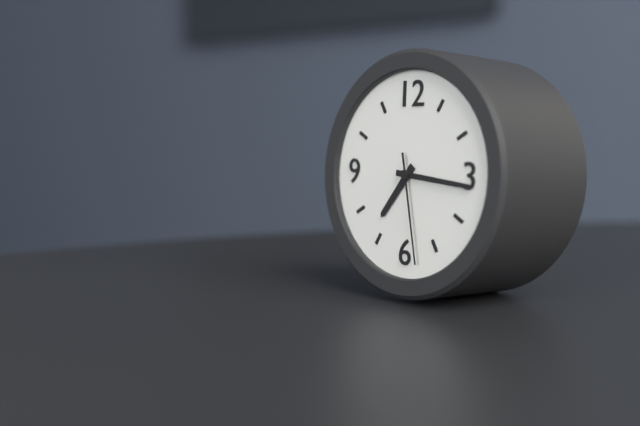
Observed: 7:16:28
